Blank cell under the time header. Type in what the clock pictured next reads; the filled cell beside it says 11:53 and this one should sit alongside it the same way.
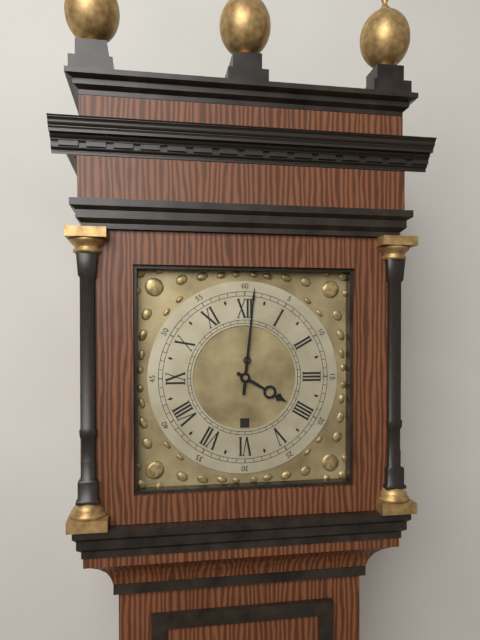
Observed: 4:01
